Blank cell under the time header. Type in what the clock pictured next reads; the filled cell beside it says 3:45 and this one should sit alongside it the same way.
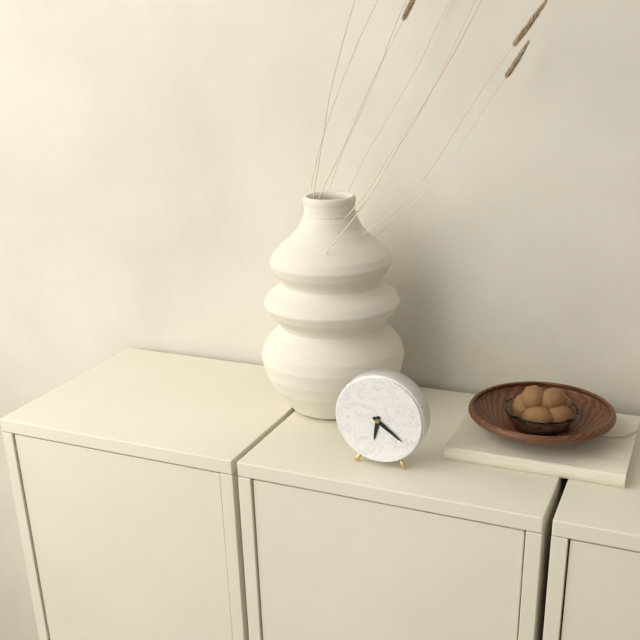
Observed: 6:21
